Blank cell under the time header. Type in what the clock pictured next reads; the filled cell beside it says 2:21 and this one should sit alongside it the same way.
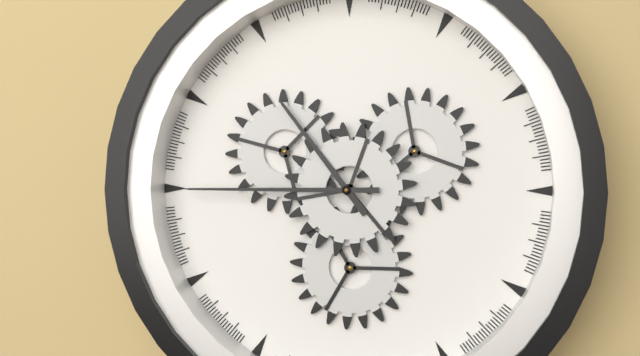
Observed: 10:45
